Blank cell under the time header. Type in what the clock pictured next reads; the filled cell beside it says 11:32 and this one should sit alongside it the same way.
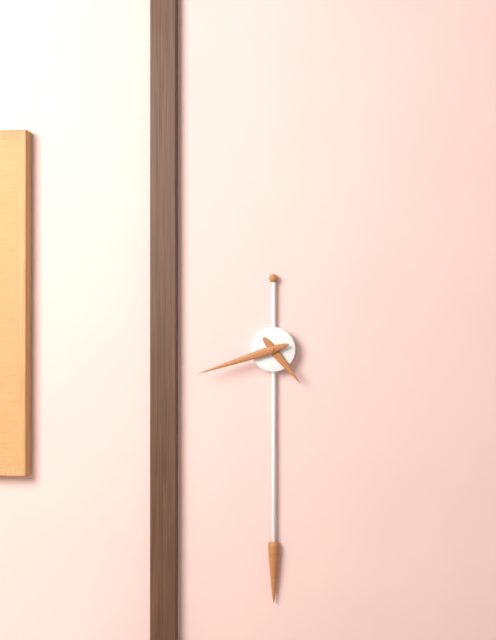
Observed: 4:42
